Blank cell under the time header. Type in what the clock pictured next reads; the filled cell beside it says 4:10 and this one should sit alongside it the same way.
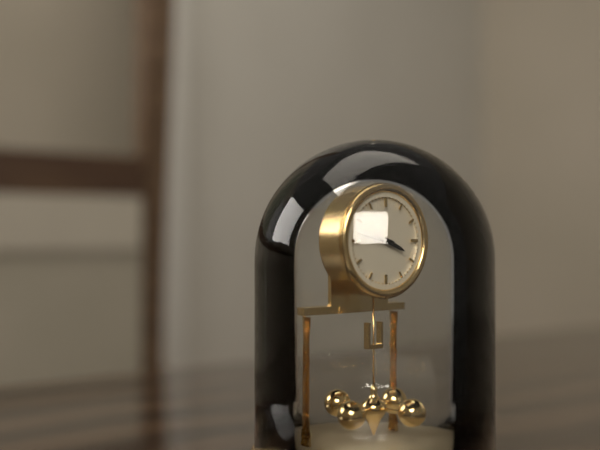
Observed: 3:47
